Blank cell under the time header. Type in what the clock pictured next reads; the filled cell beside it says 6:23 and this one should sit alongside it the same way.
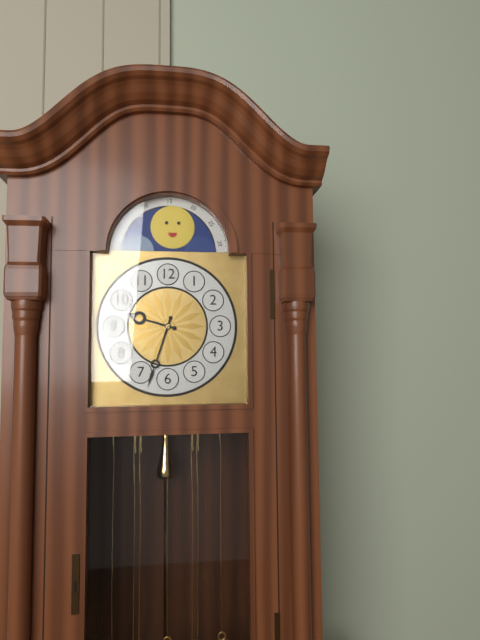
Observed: 9:33
